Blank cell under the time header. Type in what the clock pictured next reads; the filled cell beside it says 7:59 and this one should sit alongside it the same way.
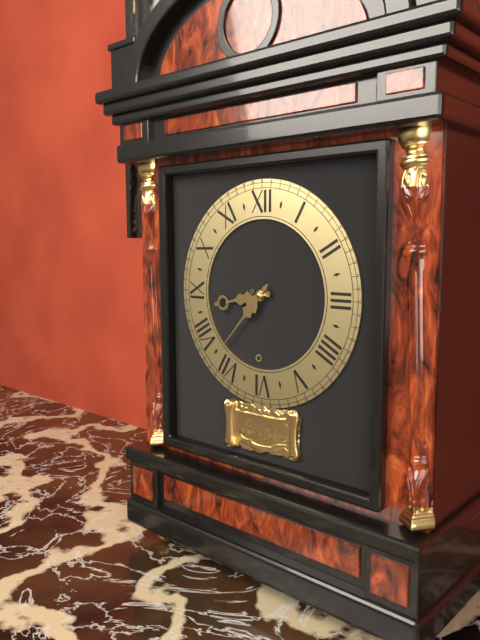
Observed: 8:37
